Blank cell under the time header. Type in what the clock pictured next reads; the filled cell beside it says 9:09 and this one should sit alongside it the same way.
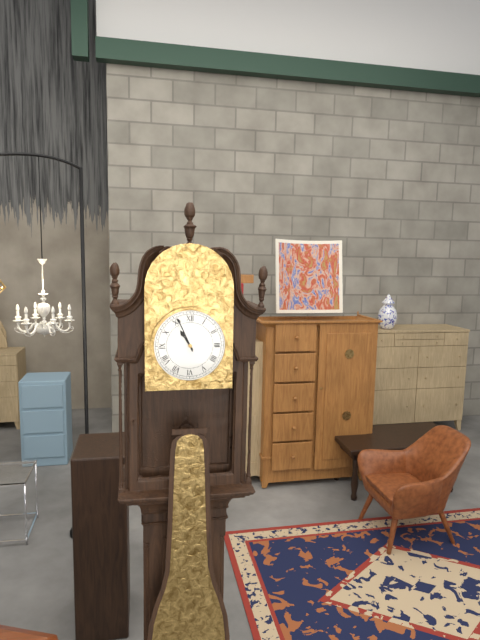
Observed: 10:56
